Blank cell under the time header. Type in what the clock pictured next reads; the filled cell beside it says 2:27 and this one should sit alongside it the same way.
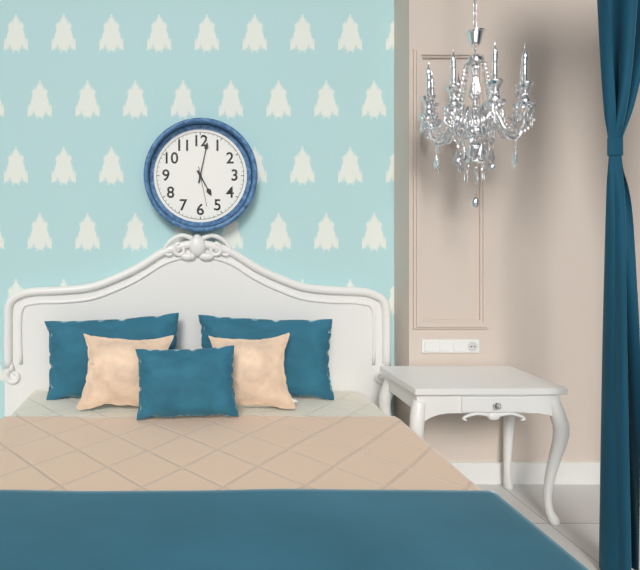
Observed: 5:02
